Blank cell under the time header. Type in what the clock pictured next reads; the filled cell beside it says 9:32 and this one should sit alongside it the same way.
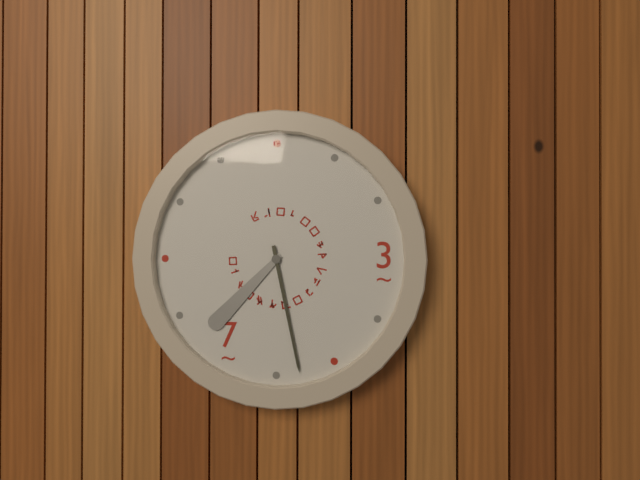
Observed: 7:28
